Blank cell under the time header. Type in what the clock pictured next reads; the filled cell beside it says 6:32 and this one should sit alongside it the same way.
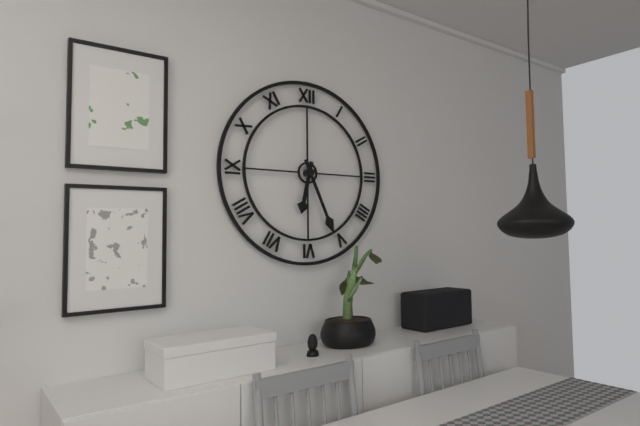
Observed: 6:26
